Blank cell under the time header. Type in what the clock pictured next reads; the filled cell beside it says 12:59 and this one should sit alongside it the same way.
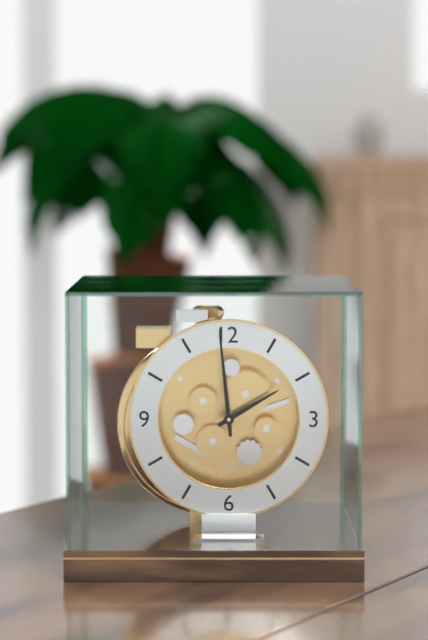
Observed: 1:59
